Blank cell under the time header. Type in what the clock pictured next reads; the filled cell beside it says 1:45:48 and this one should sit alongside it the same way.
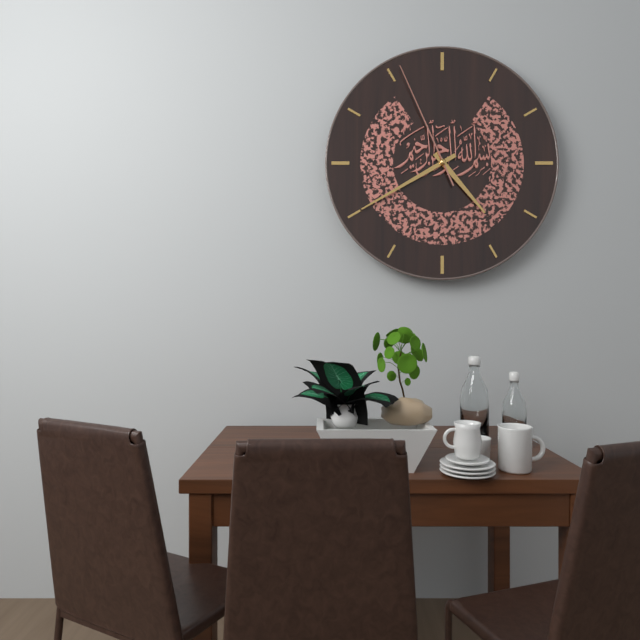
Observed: 4:40:56
